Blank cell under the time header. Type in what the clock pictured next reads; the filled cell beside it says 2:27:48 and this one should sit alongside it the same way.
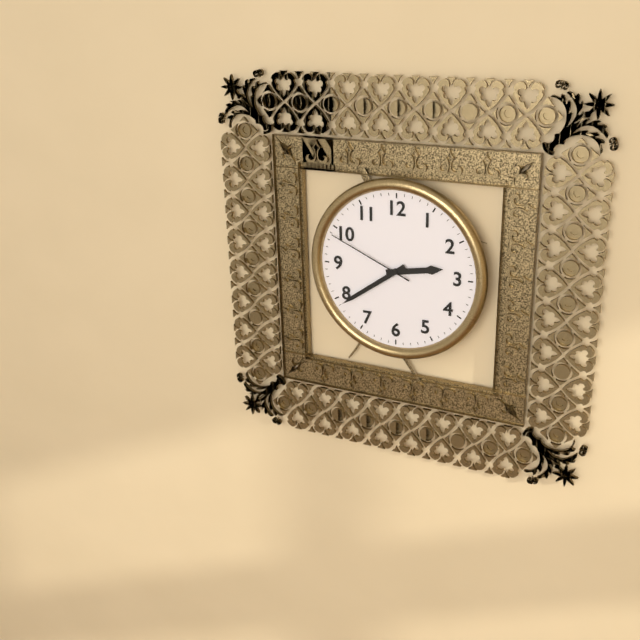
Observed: 2:39:49
